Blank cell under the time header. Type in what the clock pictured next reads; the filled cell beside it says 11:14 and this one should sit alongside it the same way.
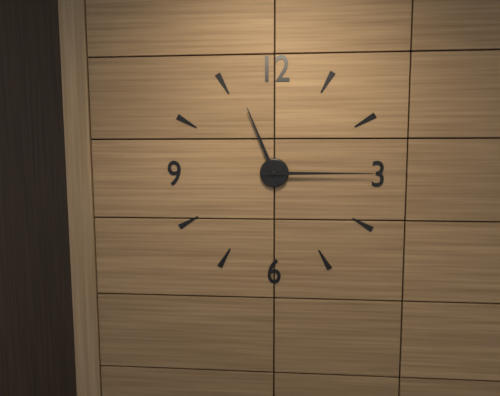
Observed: 11:15
